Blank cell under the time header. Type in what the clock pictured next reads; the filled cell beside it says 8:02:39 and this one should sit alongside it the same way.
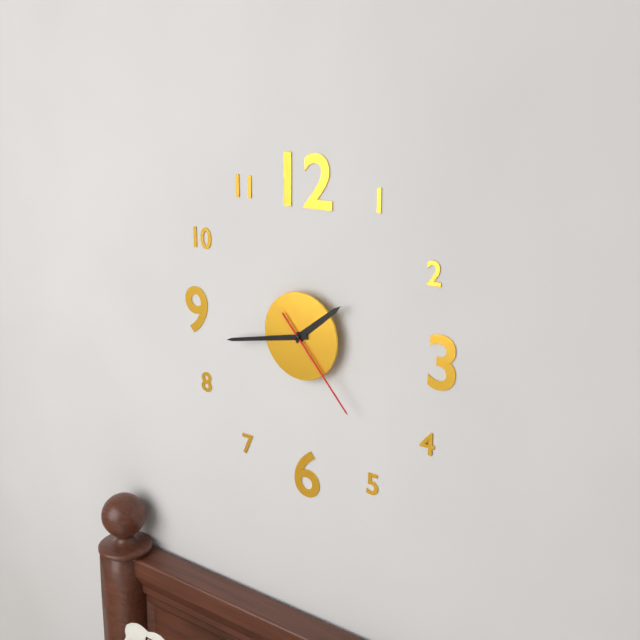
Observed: 1:43:23
